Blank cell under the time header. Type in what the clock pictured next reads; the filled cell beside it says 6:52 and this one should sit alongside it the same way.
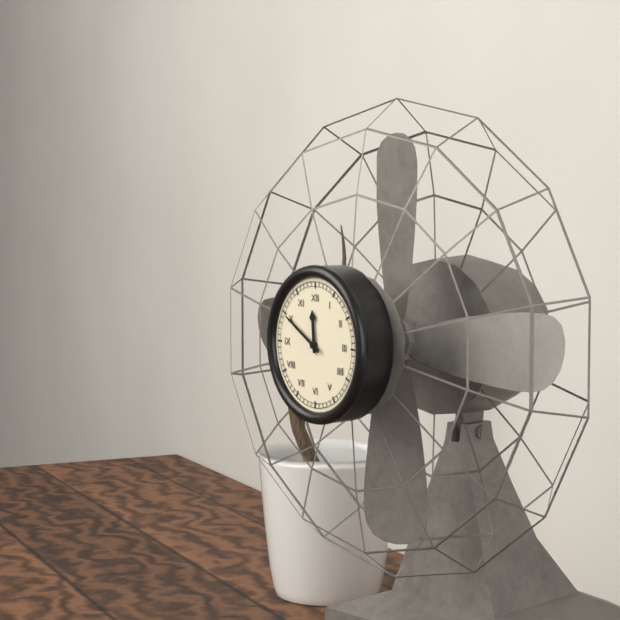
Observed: 11:50
